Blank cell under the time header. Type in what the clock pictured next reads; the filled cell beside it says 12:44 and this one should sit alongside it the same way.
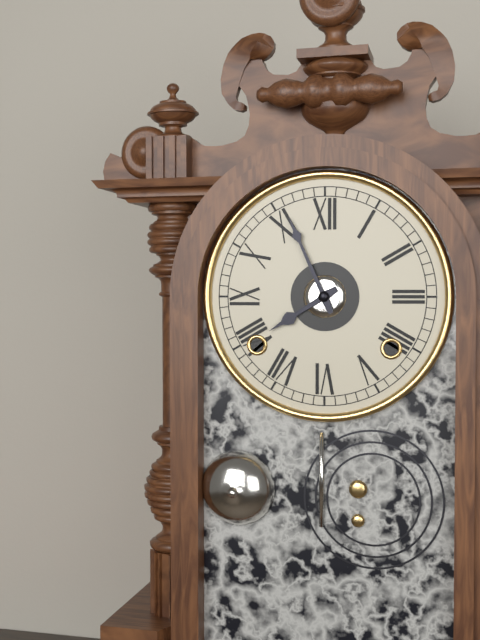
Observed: 7:56
